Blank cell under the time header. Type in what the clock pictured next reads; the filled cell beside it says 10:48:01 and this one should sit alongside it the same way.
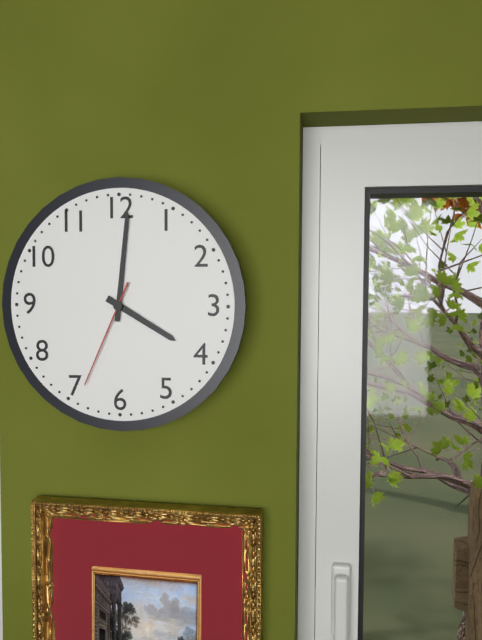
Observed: 4:01:34
